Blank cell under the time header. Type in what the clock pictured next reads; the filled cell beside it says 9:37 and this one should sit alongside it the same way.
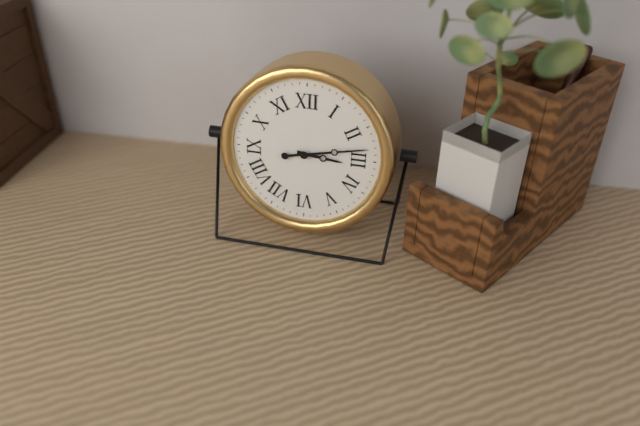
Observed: 3:13
